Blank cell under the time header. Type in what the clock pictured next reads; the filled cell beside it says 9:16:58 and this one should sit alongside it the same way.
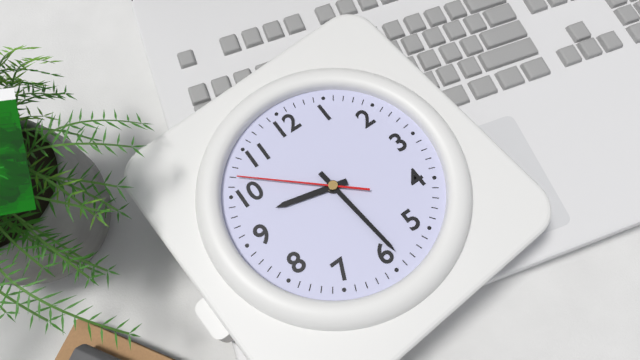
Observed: 9:29:52
